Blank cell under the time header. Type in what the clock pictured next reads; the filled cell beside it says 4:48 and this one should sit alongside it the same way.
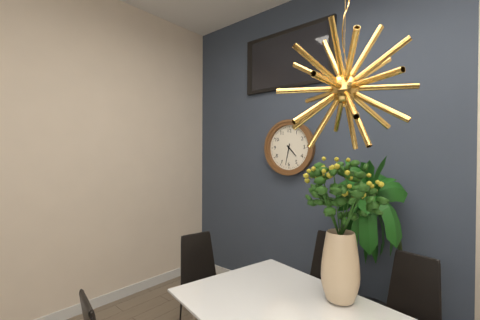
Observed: 4:32
